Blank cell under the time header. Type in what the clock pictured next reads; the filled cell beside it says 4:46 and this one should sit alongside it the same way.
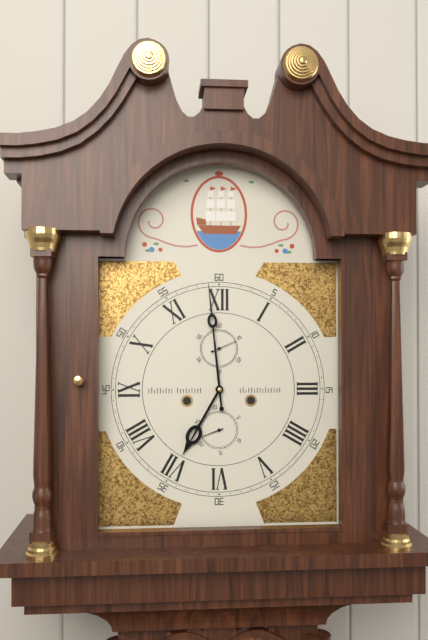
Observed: 6:59
